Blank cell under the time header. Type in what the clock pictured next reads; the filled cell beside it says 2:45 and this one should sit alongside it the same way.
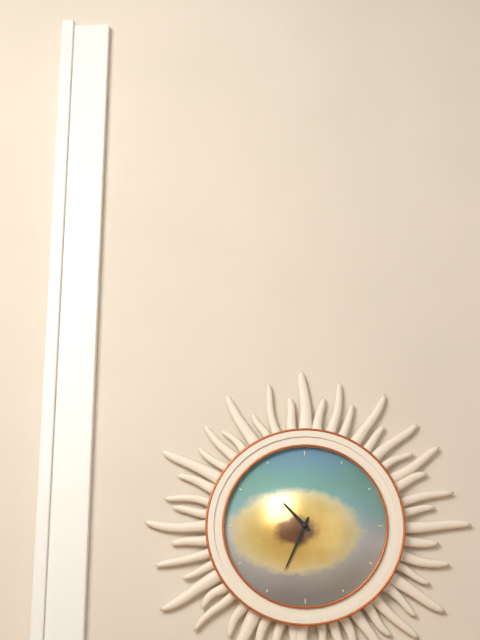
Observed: 10:34
